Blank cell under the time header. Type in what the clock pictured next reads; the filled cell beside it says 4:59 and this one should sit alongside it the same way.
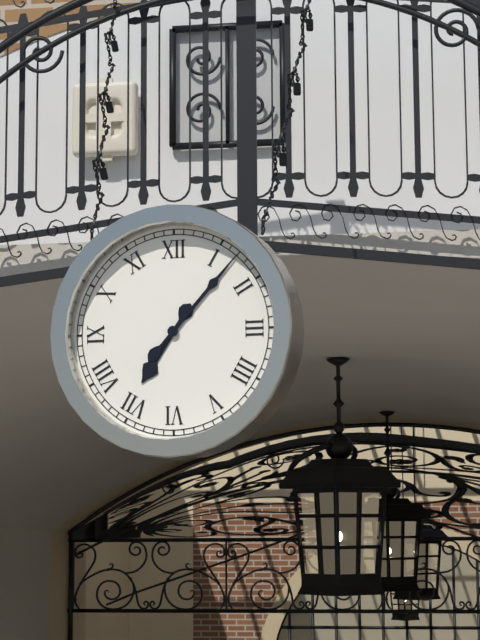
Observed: 7:07
